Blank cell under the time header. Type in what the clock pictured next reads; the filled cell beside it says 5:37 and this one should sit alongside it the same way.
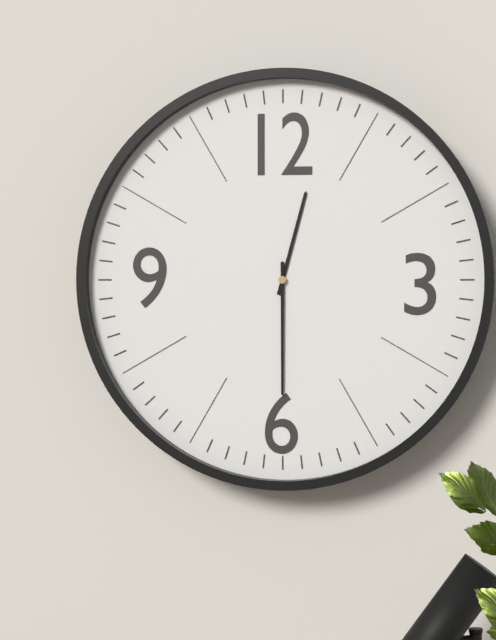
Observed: 12:30
